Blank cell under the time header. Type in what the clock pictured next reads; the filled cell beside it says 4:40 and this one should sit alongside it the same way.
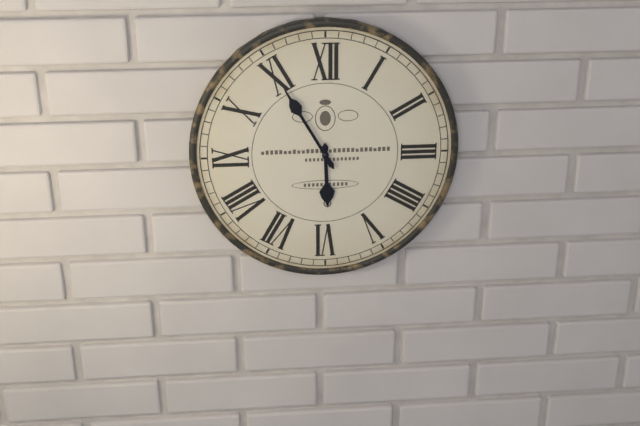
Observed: 5:55
